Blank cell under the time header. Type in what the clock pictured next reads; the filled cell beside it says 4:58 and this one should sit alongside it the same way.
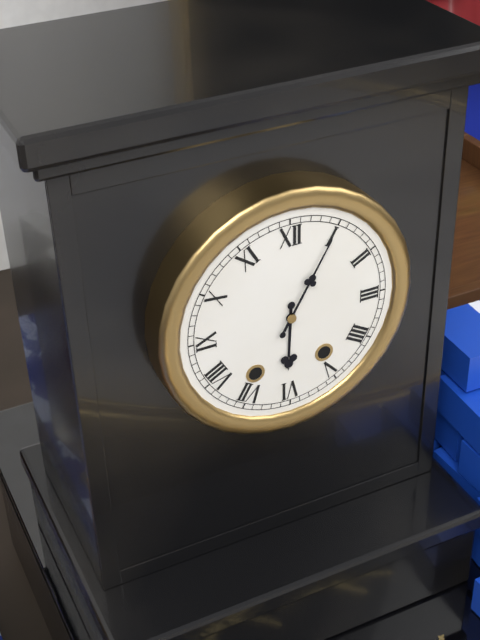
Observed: 6:05
